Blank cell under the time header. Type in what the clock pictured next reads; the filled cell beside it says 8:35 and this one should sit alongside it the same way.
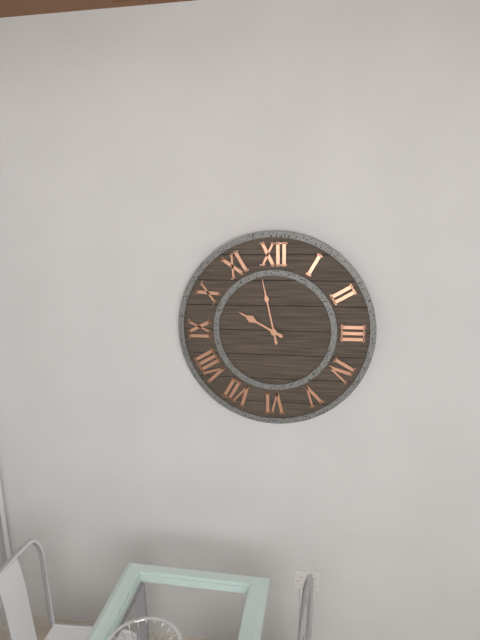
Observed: 9:58
